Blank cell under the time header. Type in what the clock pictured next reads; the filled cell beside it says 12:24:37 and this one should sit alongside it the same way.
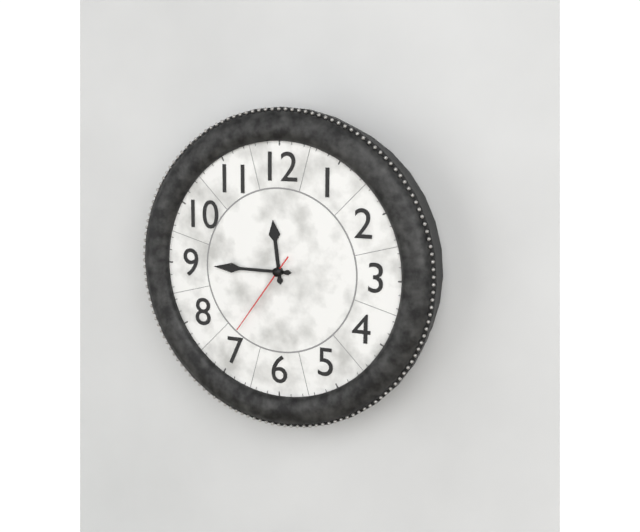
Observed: 11:45:36
